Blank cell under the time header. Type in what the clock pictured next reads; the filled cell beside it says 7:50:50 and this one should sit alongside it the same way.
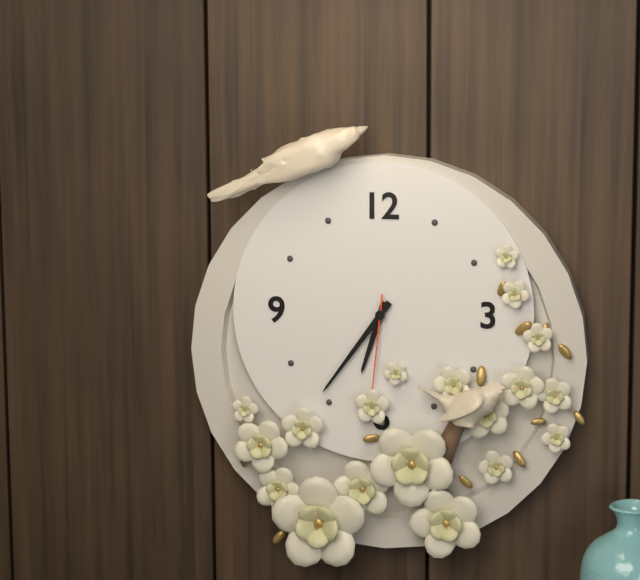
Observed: 6:36:31
